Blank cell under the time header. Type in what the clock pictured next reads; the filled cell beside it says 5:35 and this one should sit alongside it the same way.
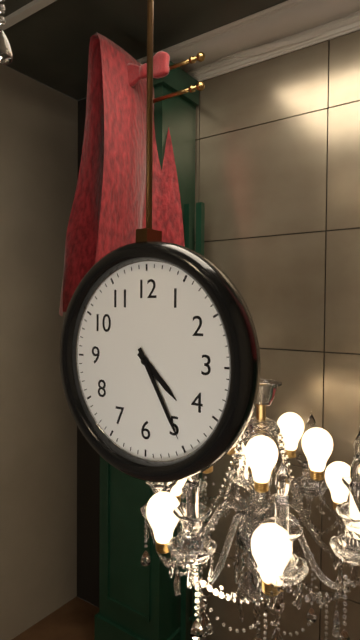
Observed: 4:25
